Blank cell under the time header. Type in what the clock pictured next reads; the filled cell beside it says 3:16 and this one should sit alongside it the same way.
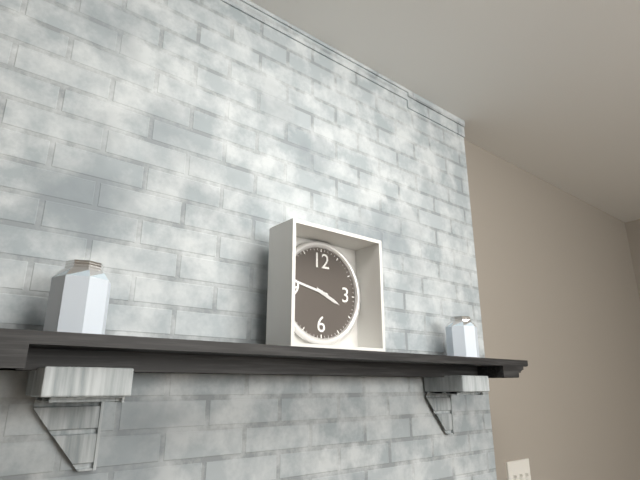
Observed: 3:47
